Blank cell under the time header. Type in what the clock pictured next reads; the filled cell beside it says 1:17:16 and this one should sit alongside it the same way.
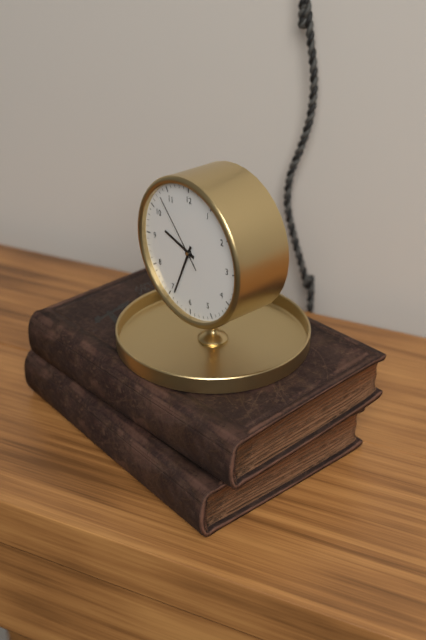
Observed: 9:34:53
